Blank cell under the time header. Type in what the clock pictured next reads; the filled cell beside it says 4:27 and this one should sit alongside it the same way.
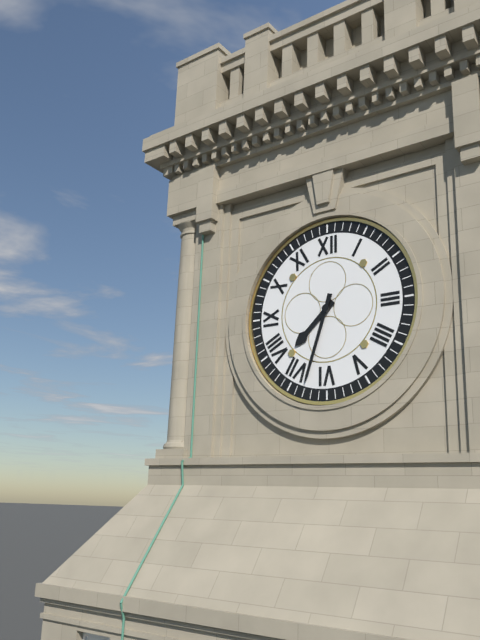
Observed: 7:33
